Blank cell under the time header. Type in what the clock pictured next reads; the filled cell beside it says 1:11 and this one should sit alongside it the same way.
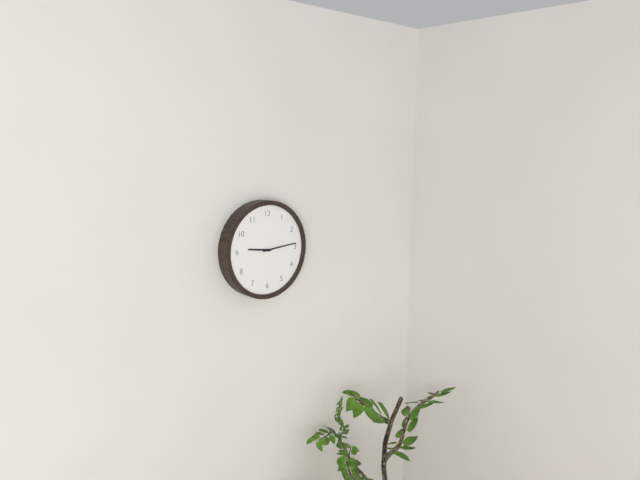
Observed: 9:14
